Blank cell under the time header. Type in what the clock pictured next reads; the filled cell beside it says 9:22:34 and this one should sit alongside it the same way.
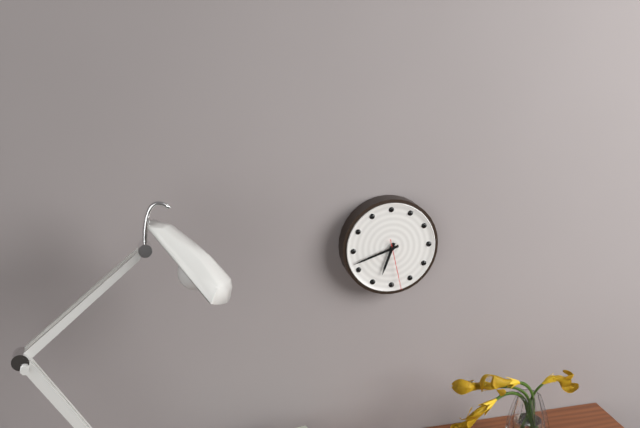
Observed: 6:42:28
